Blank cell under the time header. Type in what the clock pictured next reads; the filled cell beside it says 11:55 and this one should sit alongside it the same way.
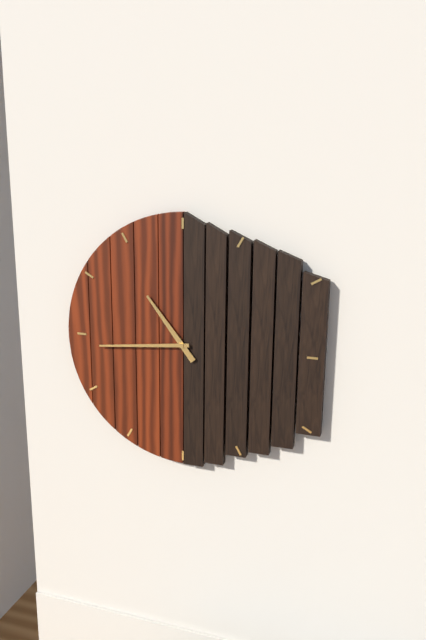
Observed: 10:44
